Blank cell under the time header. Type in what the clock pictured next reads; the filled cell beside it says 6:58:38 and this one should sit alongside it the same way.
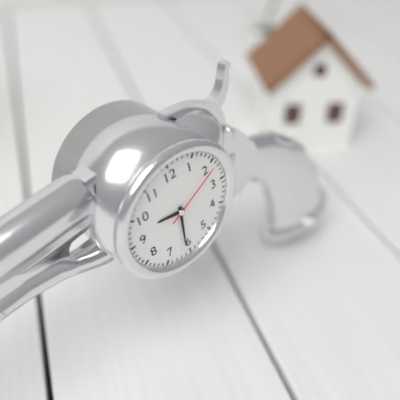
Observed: 9:31:11
